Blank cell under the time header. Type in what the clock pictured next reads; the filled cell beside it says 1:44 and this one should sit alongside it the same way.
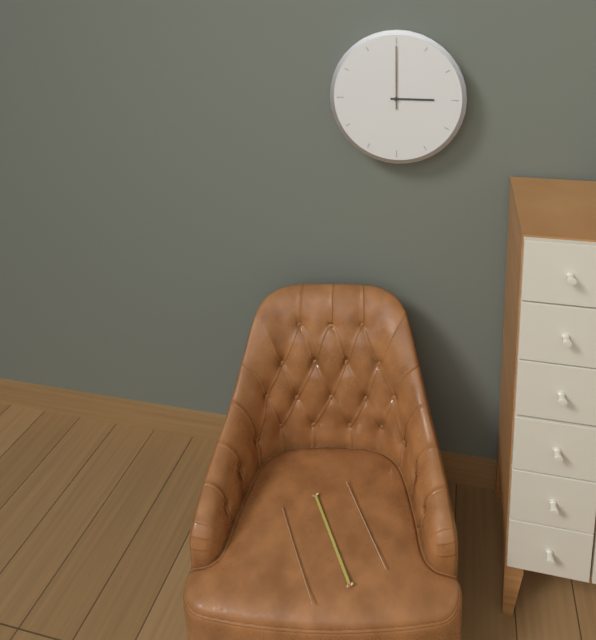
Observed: 3:00
